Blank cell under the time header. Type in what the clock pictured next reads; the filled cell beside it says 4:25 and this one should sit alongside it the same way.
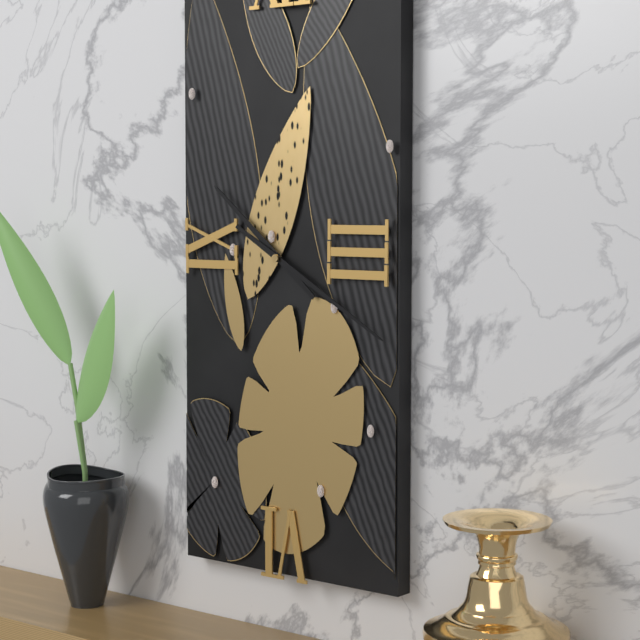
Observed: 10:20
